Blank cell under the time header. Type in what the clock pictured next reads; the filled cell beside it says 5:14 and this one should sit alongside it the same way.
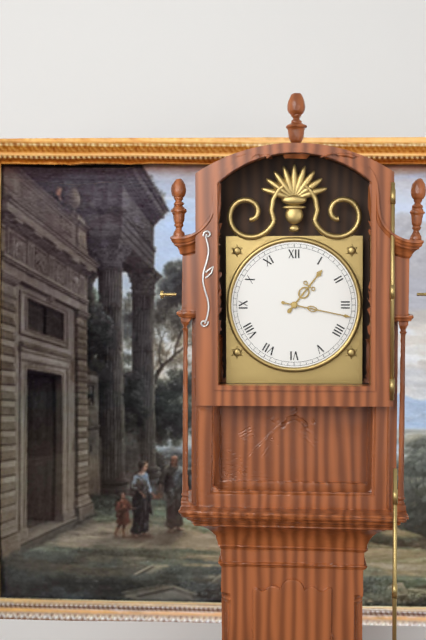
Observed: 1:17
